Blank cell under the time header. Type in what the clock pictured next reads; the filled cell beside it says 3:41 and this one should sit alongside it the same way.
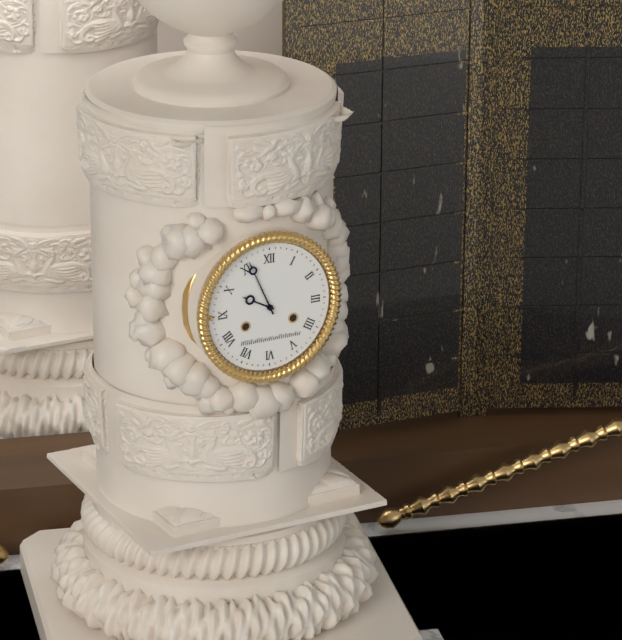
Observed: 9:56
